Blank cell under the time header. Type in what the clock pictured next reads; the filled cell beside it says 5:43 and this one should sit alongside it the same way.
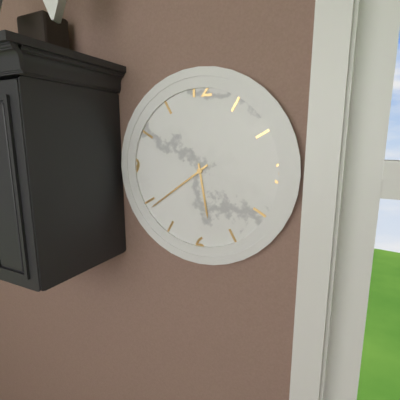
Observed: 5:39
